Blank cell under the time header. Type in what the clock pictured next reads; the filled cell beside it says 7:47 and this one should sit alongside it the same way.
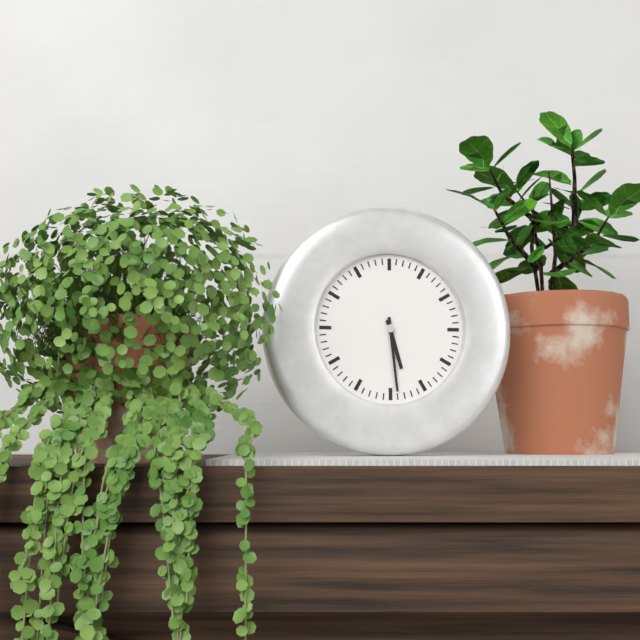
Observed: 5:29
